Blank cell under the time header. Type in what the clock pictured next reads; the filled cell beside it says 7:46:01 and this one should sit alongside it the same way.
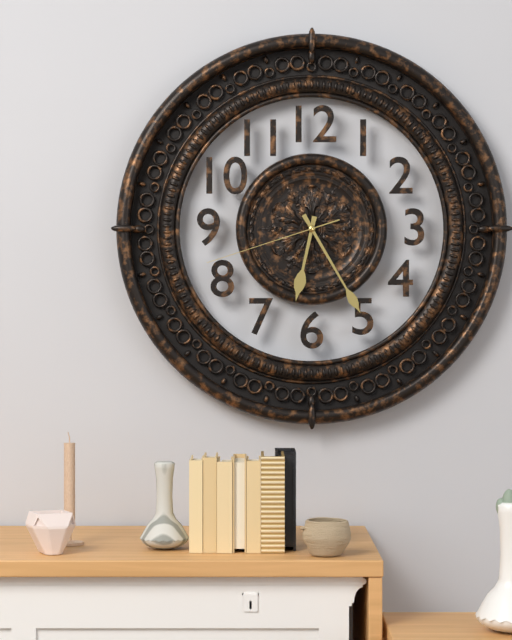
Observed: 6:25:42
